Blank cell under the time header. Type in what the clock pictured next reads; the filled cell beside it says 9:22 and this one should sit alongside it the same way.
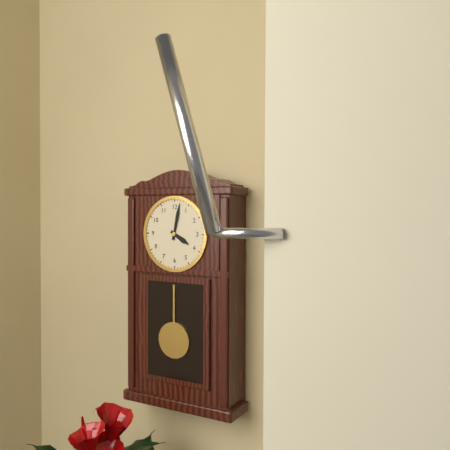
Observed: 4:02
